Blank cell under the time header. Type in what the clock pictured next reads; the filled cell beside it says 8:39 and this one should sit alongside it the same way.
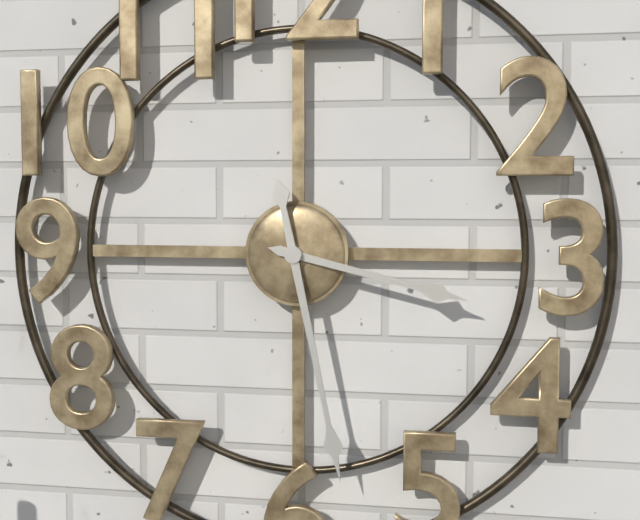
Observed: 3:28
